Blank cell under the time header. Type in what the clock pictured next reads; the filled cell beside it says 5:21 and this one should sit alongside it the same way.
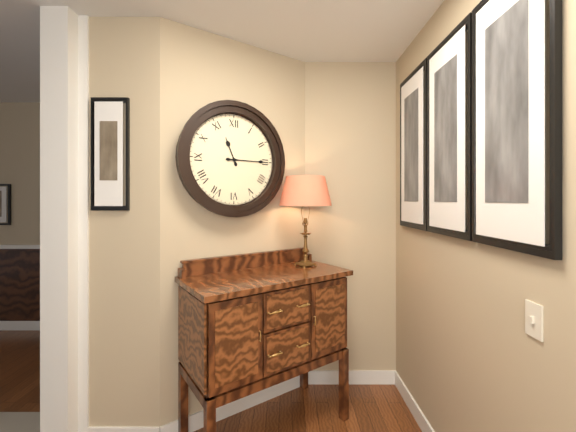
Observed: 11:15
